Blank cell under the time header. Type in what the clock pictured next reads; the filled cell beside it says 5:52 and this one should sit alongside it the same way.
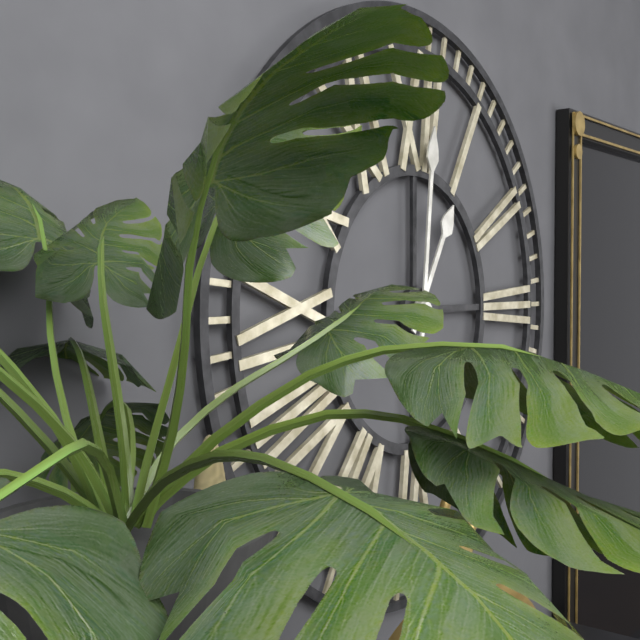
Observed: 1:01
